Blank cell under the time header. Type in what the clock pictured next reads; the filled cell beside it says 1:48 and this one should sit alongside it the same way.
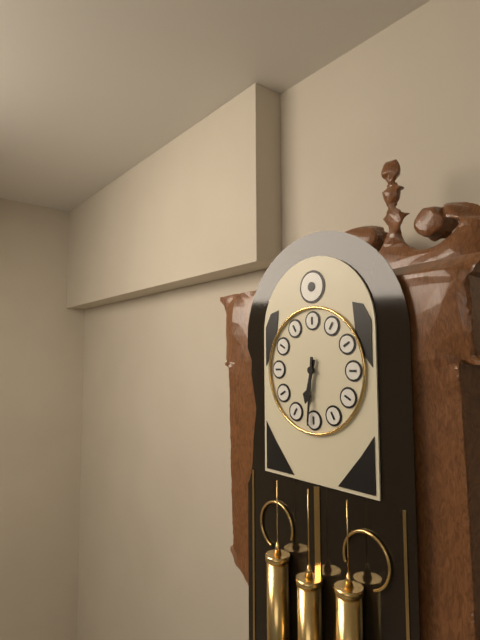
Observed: 6:31
